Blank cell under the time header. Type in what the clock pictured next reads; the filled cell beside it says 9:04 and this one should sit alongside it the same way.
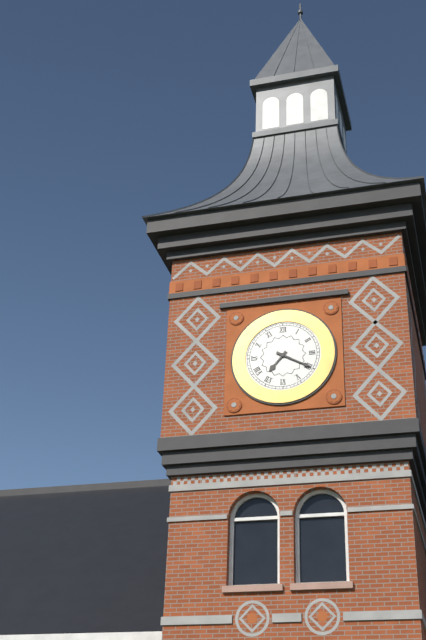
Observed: 7:20
